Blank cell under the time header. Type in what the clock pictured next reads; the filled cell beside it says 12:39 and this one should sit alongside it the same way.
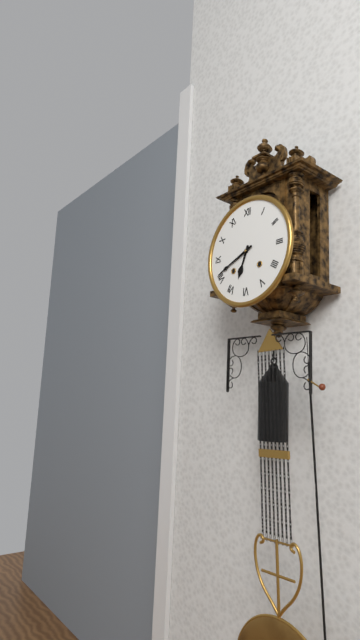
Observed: 6:41
